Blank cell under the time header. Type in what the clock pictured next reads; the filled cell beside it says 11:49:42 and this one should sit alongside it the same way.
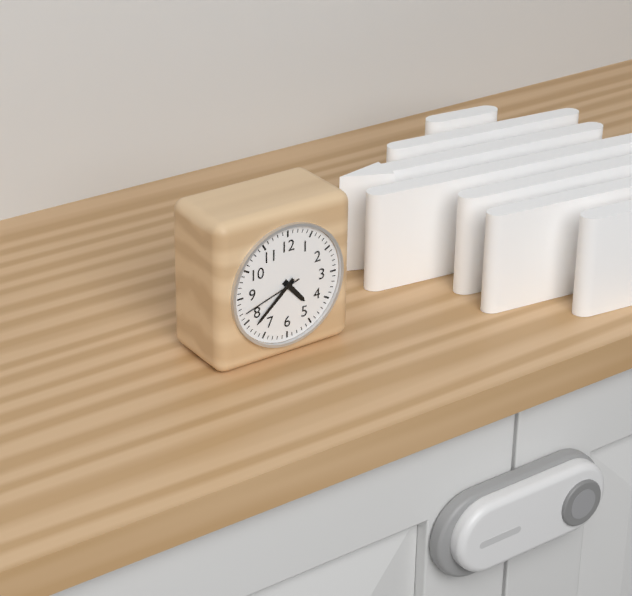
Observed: 4:38:42
